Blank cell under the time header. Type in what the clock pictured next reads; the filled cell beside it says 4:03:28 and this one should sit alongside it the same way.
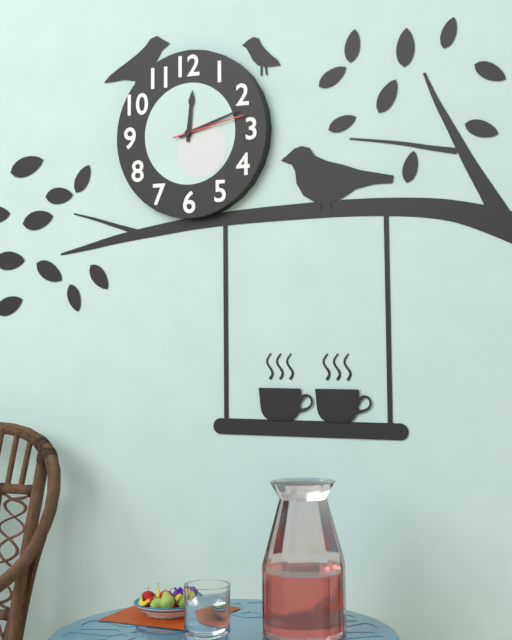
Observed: 12:12:13
